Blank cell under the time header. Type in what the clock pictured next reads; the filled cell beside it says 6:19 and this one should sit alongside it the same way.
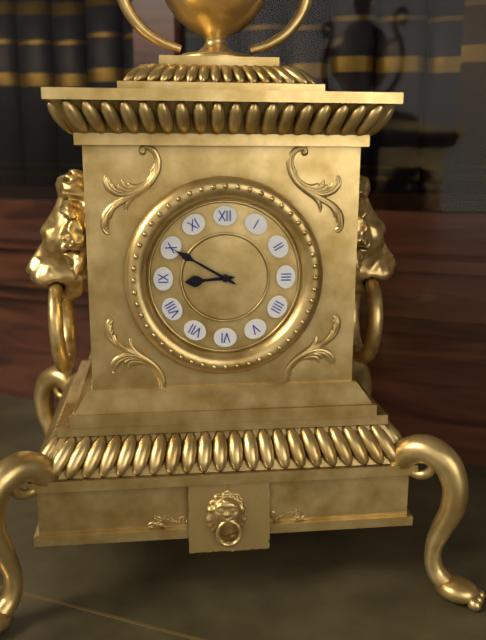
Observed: 8:50
